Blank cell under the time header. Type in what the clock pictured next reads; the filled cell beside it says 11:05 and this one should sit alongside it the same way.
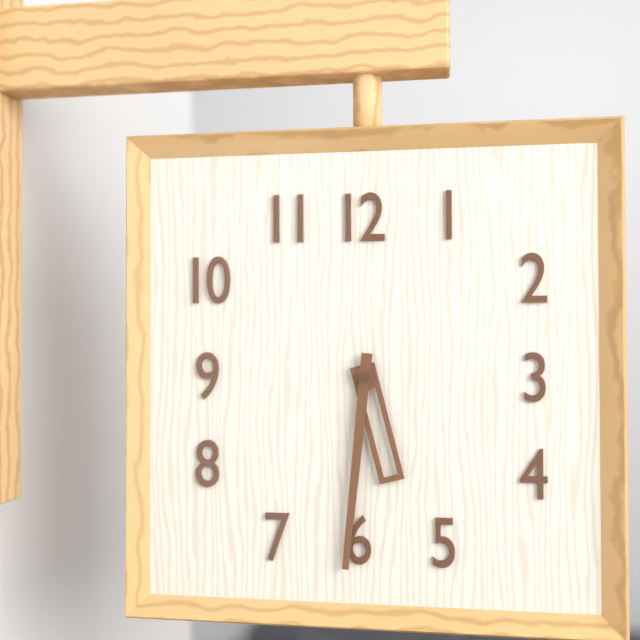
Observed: 5:31
